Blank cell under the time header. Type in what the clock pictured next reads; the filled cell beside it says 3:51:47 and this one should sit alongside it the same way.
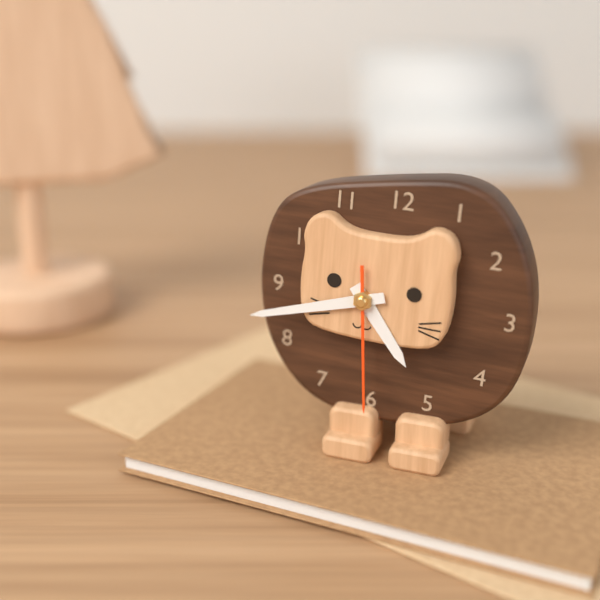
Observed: 4:42:29
